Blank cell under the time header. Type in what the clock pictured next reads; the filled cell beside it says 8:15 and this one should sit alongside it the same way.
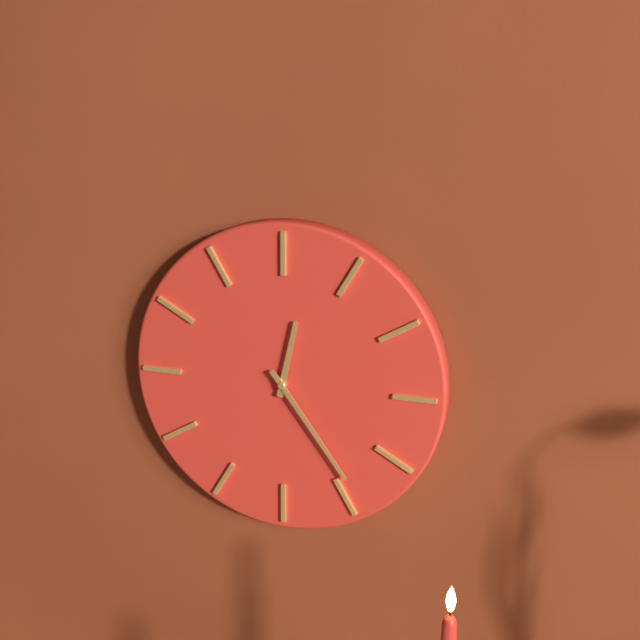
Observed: 12:24
